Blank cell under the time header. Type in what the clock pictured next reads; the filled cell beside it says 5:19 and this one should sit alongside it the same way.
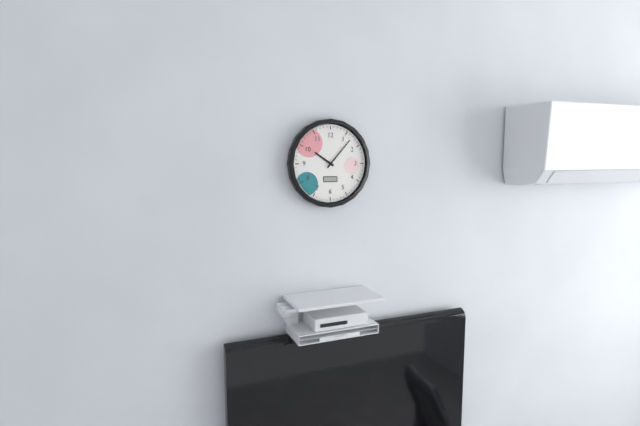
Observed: 10:07
